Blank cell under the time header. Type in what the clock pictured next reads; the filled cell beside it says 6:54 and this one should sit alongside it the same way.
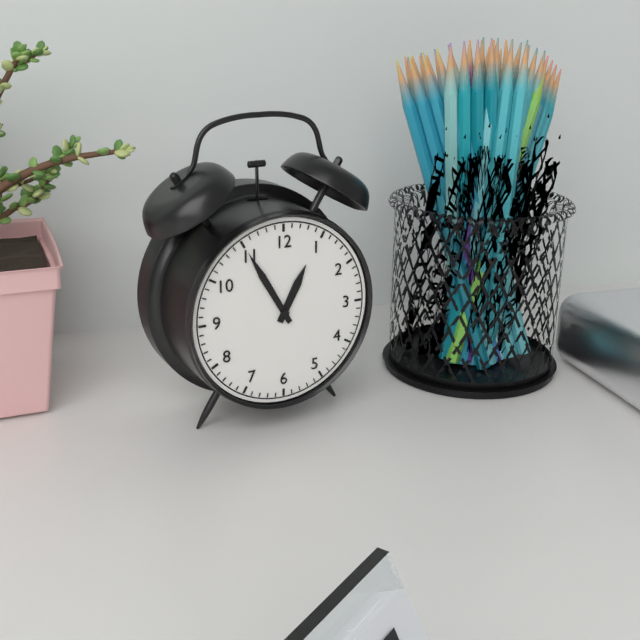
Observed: 12:55
